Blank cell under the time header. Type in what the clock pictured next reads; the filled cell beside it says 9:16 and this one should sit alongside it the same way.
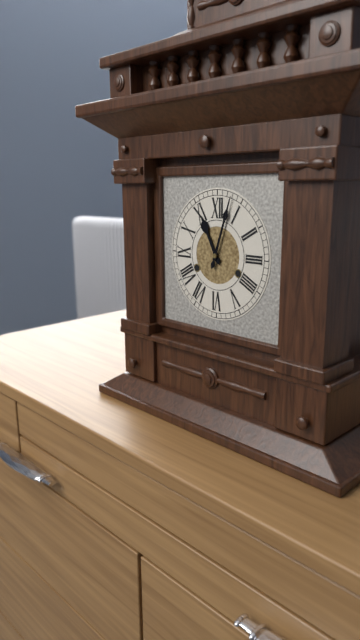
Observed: 11:03
